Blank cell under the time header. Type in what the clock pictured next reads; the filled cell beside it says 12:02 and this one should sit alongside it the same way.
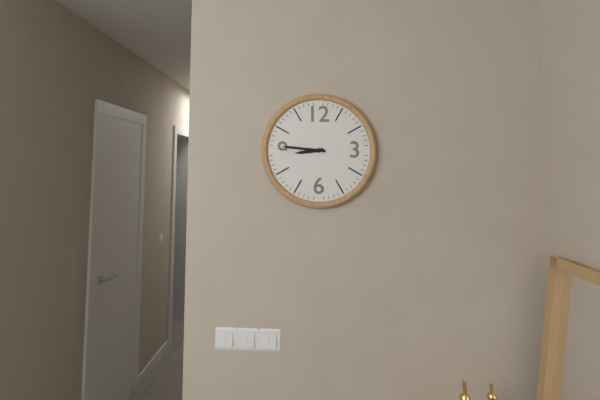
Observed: 8:46
